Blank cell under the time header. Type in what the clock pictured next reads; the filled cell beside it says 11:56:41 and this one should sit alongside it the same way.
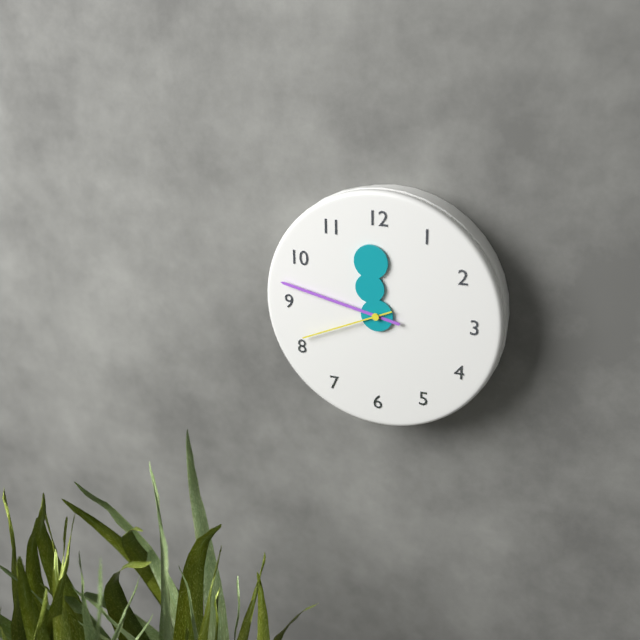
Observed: 11:47:41
